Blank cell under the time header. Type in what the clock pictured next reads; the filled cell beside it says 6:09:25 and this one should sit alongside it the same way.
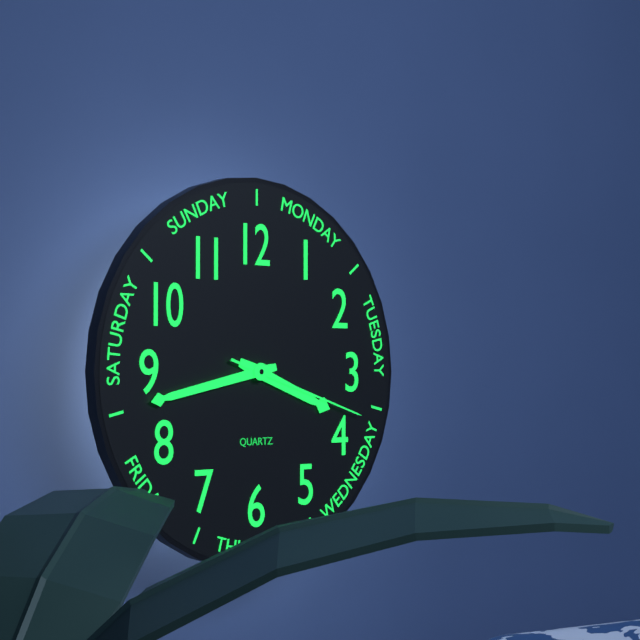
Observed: 3:43:18
